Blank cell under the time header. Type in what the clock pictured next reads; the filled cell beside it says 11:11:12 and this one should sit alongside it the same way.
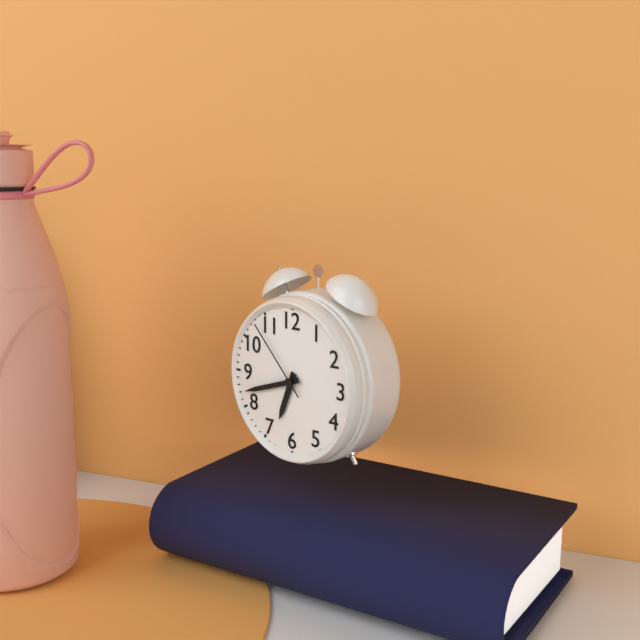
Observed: 6:42:53
